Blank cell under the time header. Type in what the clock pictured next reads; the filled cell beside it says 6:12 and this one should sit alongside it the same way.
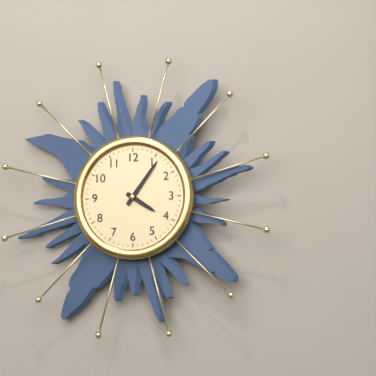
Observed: 4:06
